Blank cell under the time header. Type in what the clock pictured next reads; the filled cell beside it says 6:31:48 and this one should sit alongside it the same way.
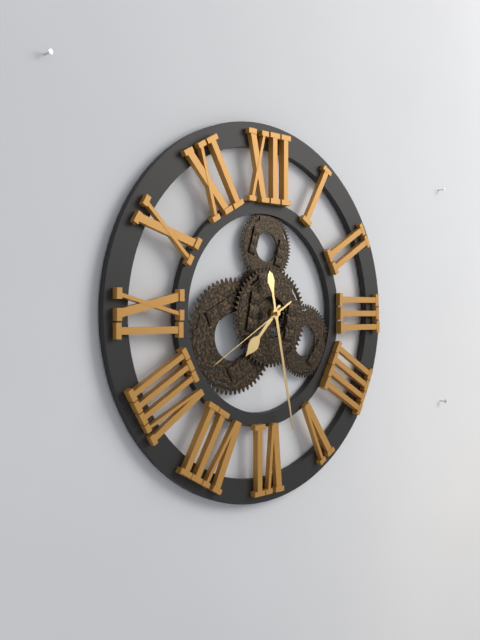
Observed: 7:28:40
